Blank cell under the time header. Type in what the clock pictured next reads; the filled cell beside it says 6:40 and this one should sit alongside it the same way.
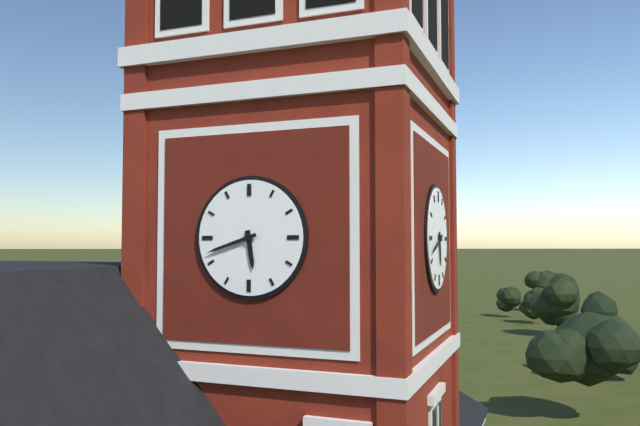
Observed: 5:42
